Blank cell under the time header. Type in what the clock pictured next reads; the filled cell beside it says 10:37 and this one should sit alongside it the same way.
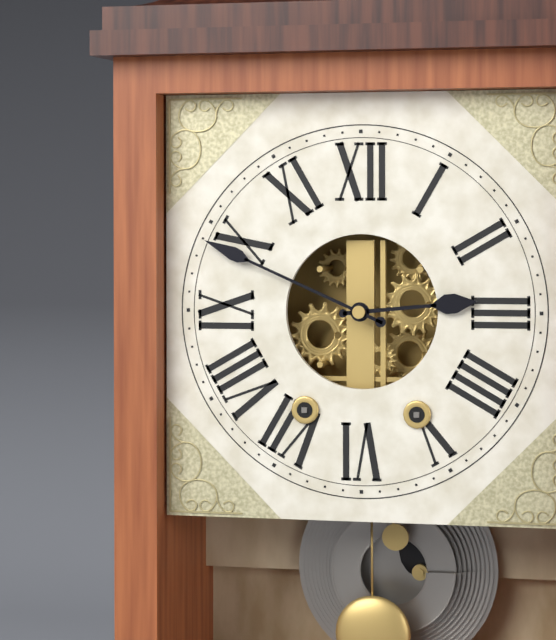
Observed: 2:49
